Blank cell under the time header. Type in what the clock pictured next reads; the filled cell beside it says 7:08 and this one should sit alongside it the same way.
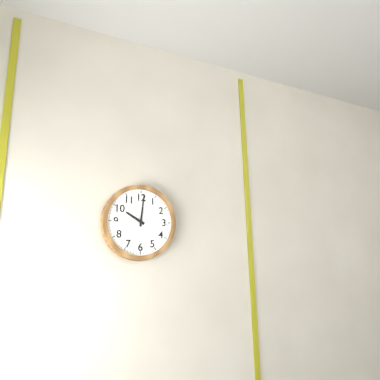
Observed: 10:01
